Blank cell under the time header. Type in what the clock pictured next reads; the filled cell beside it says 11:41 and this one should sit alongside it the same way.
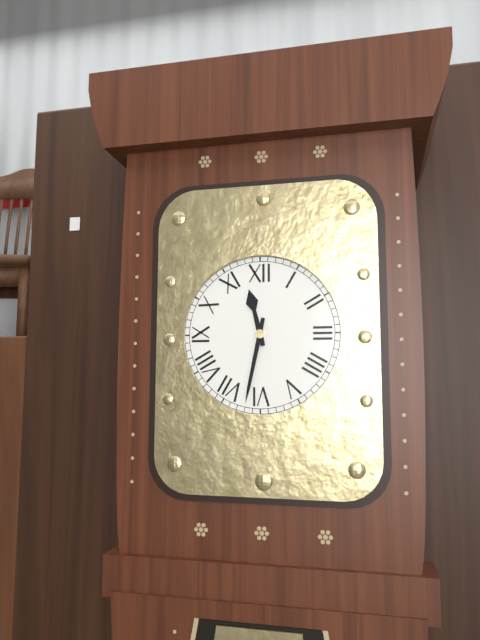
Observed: 11:32
